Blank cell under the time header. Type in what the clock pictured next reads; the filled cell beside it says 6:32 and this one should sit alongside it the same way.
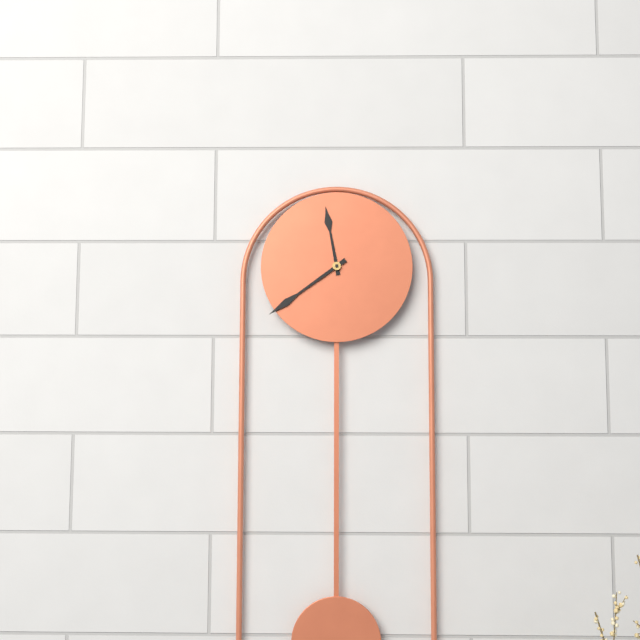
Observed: 11:39
